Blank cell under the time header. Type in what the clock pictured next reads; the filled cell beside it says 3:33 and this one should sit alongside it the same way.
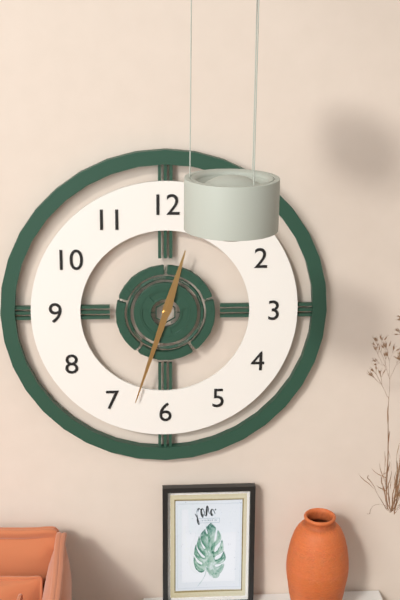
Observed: 12:33
